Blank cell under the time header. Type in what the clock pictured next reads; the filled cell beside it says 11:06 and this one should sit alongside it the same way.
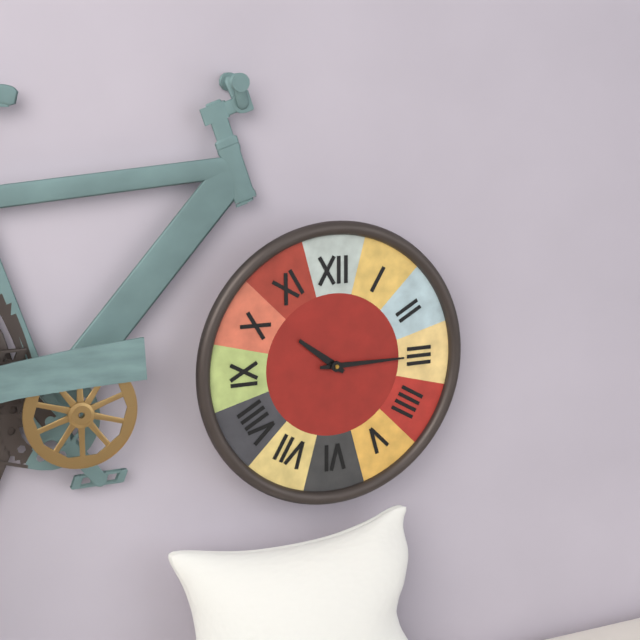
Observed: 10:15
